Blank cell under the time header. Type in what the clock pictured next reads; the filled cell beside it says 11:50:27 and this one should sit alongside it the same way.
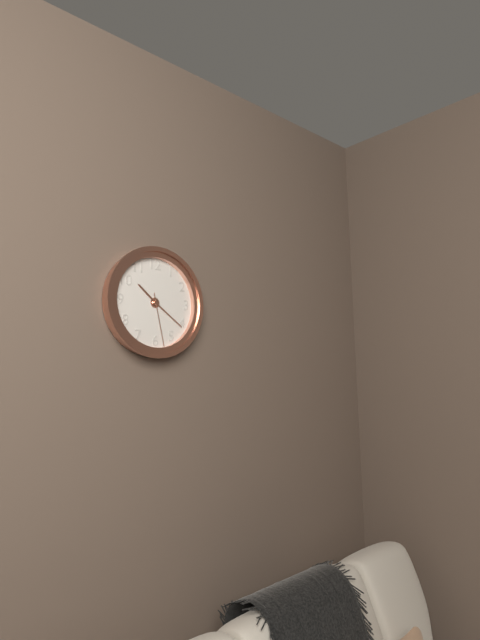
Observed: 10:21:28
